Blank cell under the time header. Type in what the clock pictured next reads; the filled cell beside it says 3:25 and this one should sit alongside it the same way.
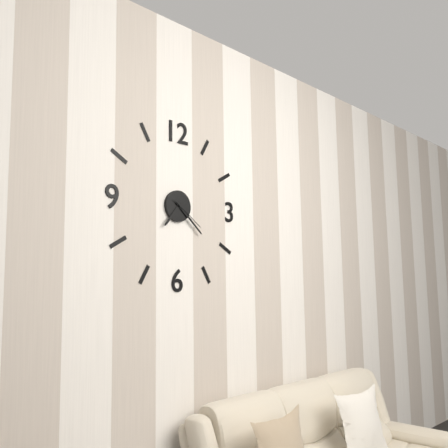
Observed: 7:22
